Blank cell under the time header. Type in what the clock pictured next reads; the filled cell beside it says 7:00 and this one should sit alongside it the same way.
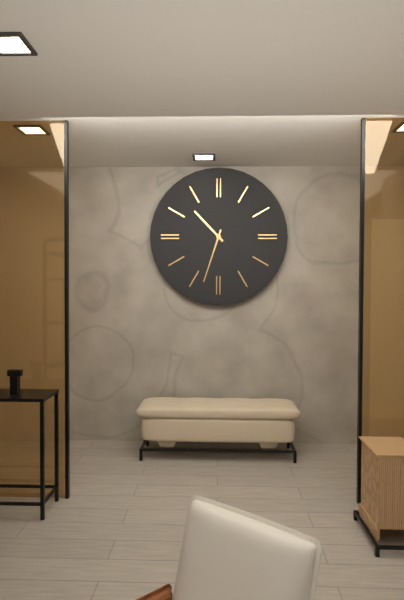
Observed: 10:33
